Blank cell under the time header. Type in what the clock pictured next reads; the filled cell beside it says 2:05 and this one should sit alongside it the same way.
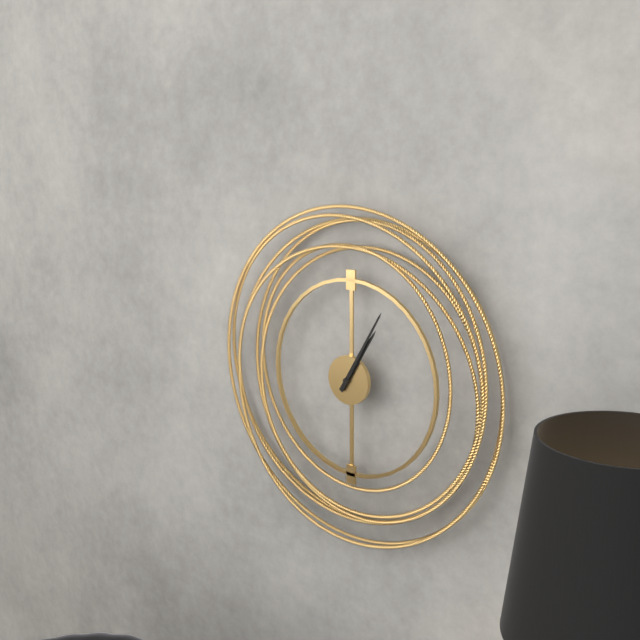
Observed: 1:05
